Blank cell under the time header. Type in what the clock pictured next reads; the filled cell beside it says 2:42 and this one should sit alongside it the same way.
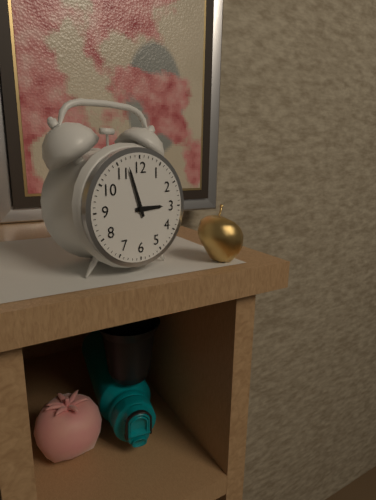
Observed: 2:57
